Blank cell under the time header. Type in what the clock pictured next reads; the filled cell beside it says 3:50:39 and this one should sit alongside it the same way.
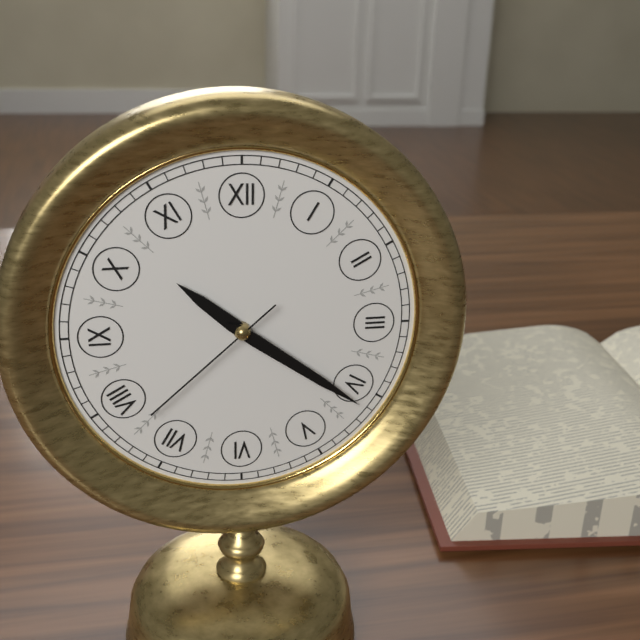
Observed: 10:21:38
